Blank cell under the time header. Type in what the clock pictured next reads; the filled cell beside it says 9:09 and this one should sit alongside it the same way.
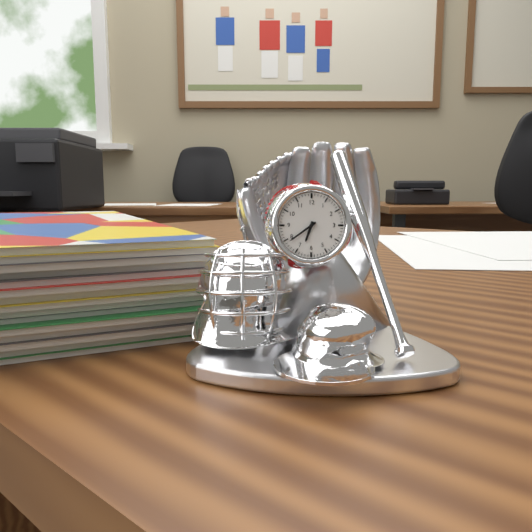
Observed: 6:39
